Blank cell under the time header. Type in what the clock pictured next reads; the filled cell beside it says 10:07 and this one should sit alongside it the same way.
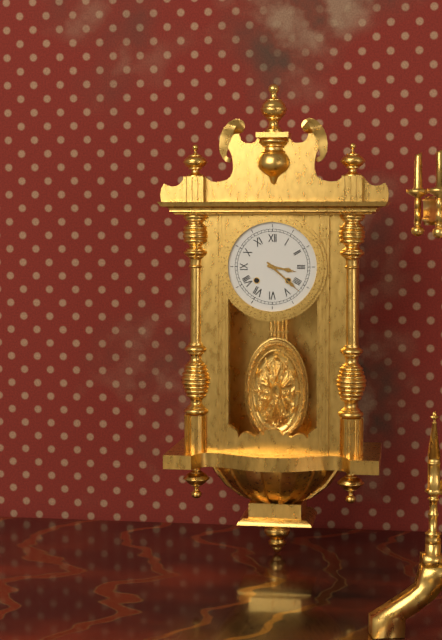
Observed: 3:22
